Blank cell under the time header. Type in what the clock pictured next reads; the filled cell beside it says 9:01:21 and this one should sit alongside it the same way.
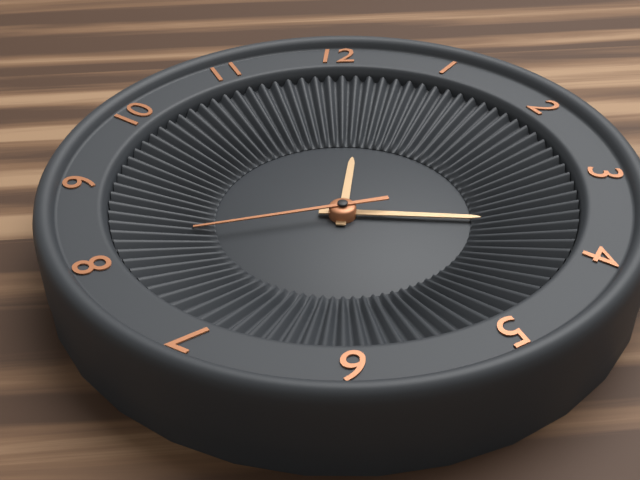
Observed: 12:16:43
